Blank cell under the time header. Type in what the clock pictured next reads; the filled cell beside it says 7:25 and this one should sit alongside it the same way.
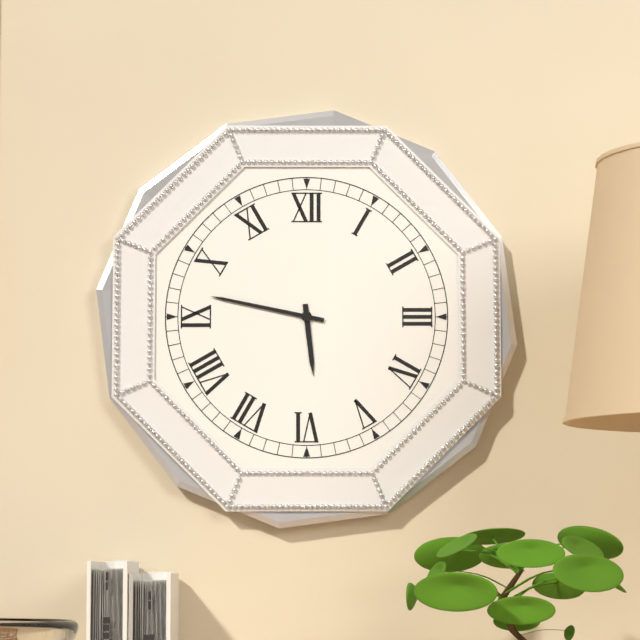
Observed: 5:47
